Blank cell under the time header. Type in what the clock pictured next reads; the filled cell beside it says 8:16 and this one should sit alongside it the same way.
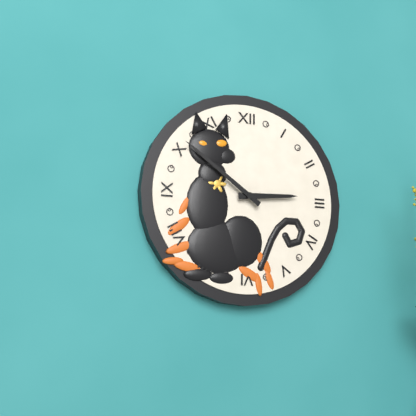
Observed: 2:51
